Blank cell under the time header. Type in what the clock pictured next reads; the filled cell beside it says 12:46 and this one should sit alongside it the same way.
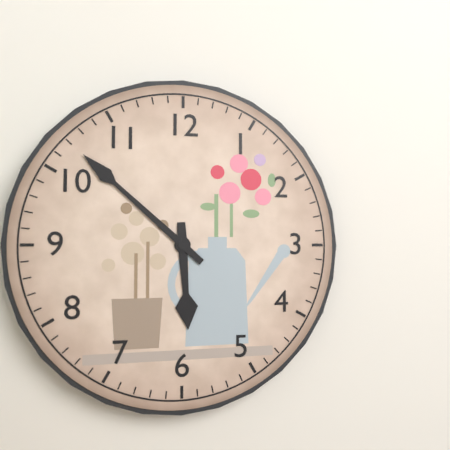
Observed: 5:52
